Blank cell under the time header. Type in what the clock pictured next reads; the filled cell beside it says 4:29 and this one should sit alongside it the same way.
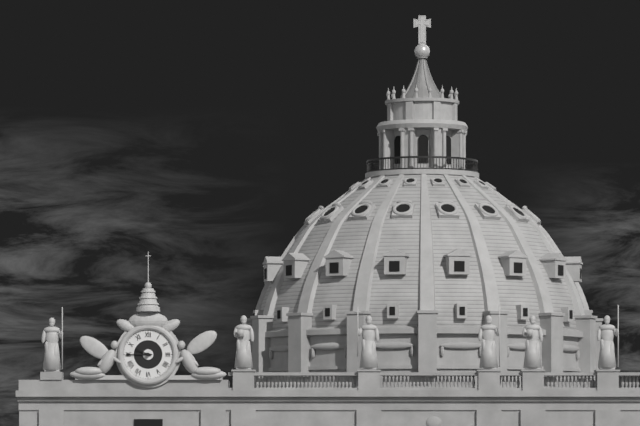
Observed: 9:45
